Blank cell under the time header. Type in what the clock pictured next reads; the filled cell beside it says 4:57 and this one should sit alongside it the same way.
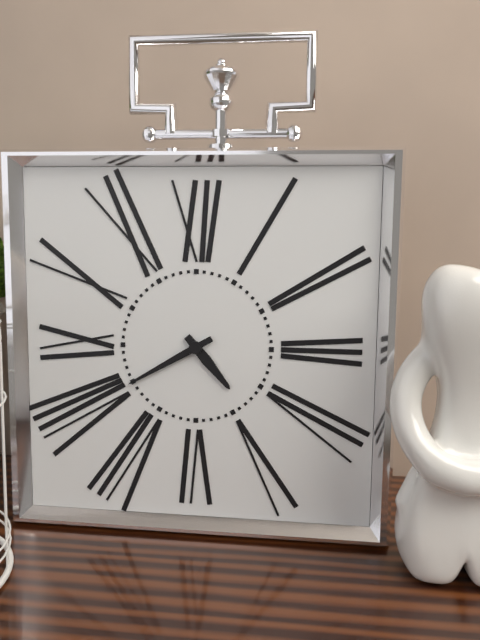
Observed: 4:40
